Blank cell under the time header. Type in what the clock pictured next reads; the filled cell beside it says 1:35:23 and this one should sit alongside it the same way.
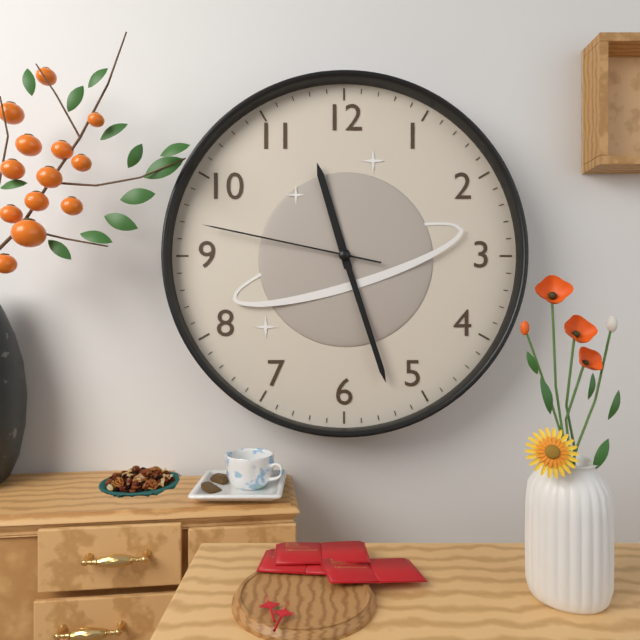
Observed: 11:27:47
